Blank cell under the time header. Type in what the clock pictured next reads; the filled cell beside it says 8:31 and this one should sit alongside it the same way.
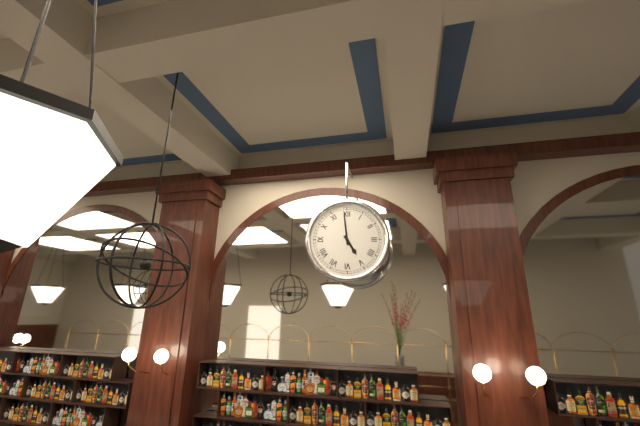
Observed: 4:59
